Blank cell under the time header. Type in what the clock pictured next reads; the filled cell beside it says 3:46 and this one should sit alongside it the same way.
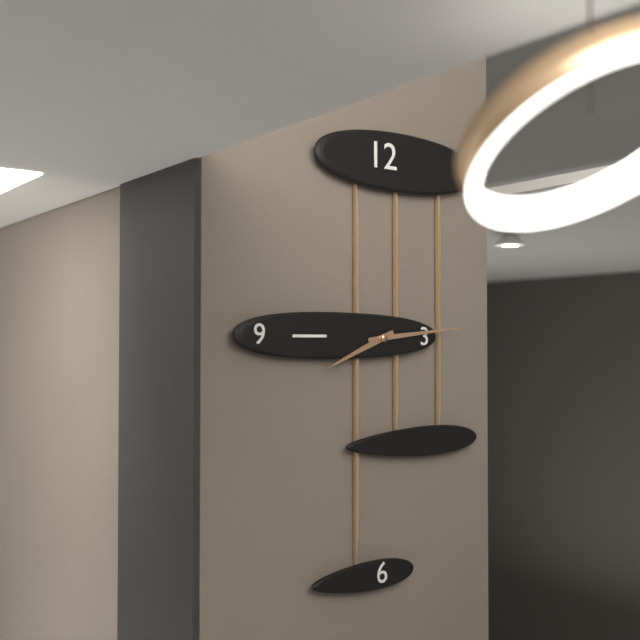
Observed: 8:14
